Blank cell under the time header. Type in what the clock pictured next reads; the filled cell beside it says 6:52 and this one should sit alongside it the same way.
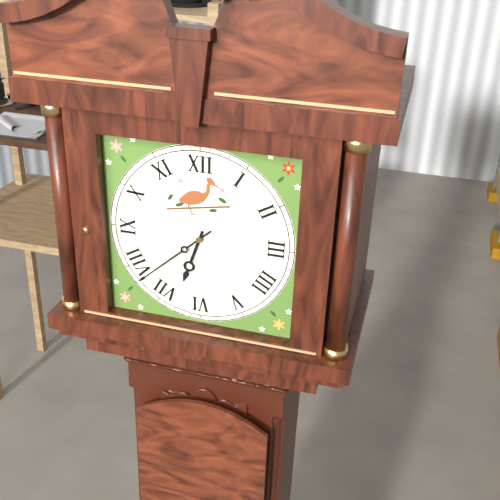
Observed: 6:38
